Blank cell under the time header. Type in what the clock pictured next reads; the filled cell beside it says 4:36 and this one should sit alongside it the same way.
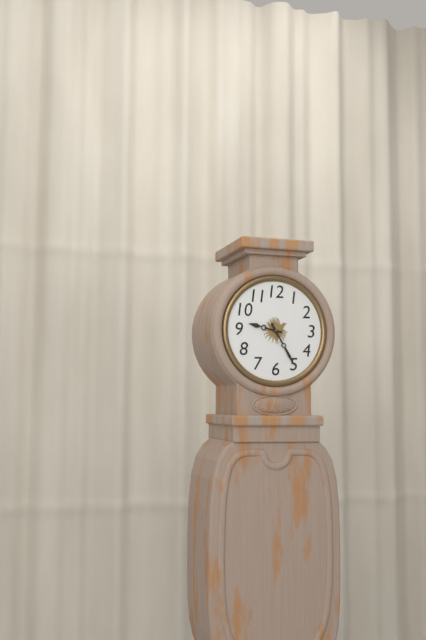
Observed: 9:25
